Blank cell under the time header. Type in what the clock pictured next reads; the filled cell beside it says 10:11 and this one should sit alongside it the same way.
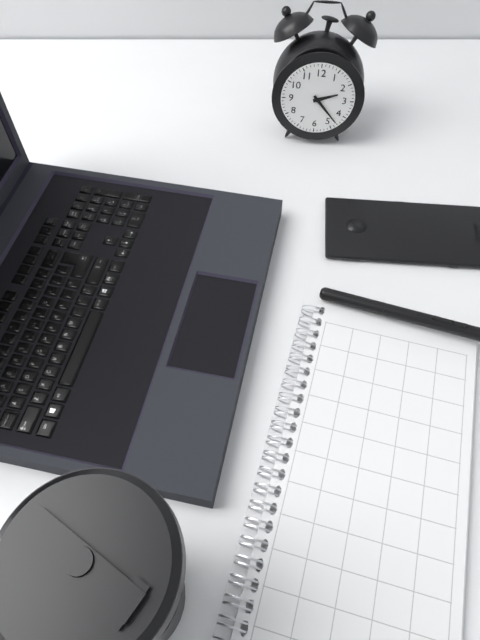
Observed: 2:23
